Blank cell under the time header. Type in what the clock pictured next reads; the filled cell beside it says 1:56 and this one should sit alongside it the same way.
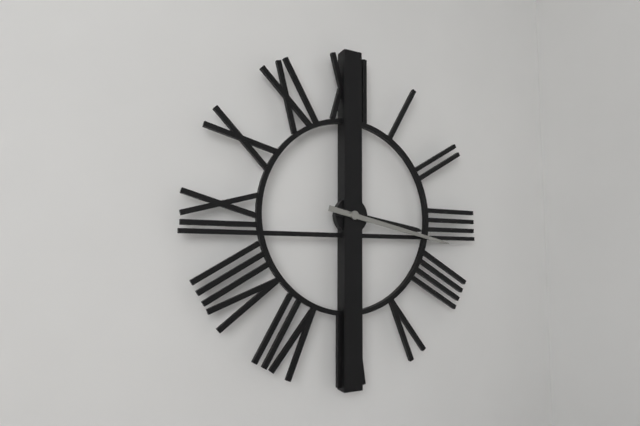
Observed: 3:17
